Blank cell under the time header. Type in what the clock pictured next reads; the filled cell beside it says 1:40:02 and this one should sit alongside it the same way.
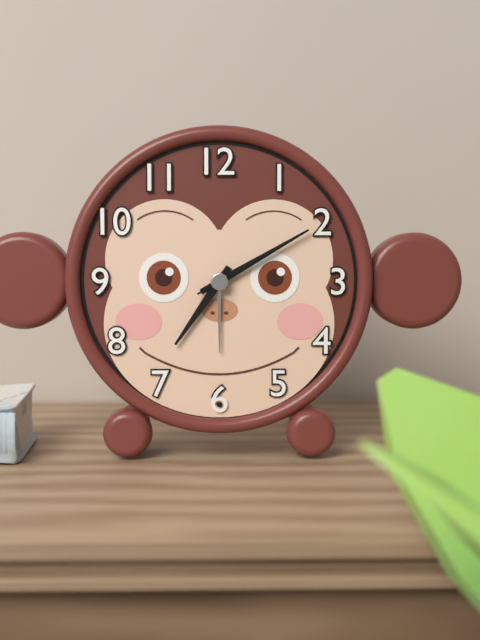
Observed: 7:10:10
